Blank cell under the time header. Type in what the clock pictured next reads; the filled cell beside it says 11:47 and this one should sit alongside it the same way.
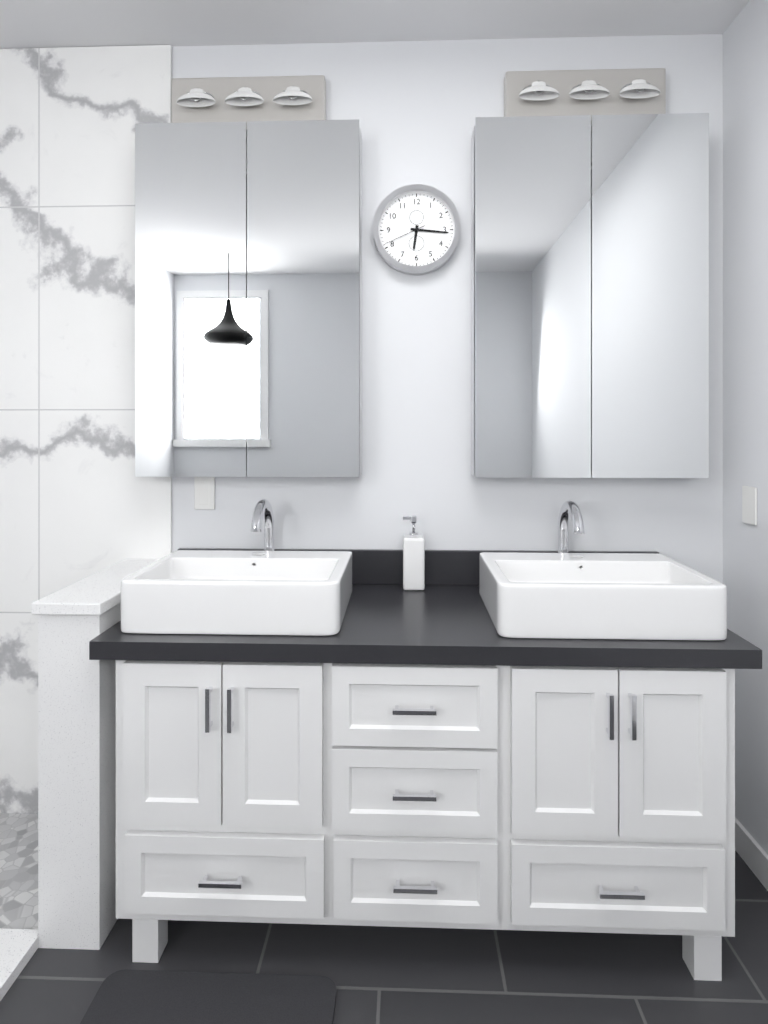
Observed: 6:16
